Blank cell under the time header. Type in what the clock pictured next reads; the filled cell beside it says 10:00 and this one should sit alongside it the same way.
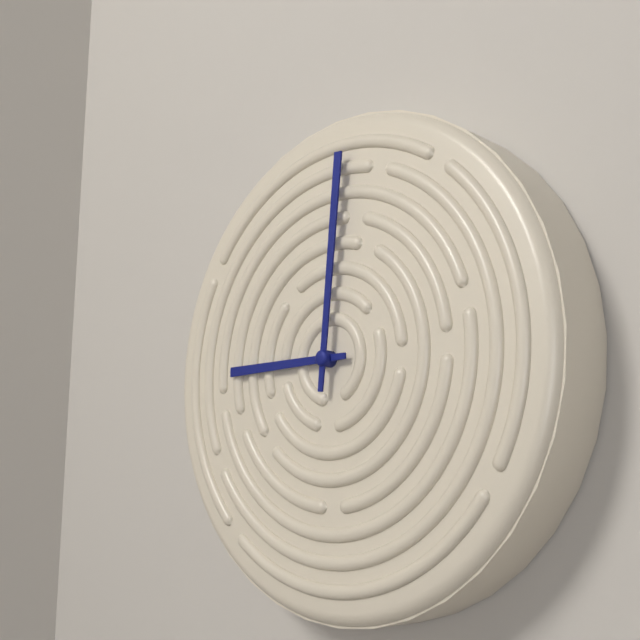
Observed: 9:01
